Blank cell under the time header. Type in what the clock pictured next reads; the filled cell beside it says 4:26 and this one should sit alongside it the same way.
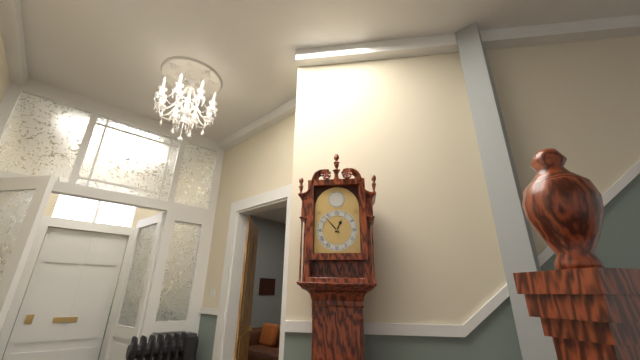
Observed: 12:53
